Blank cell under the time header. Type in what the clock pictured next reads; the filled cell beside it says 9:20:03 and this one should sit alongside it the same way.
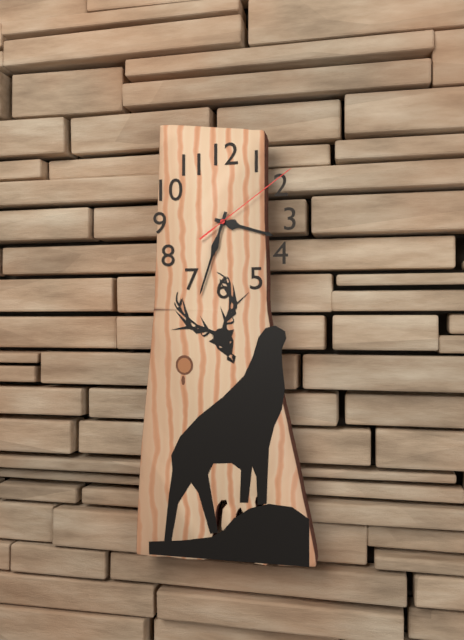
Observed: 3:33:09
